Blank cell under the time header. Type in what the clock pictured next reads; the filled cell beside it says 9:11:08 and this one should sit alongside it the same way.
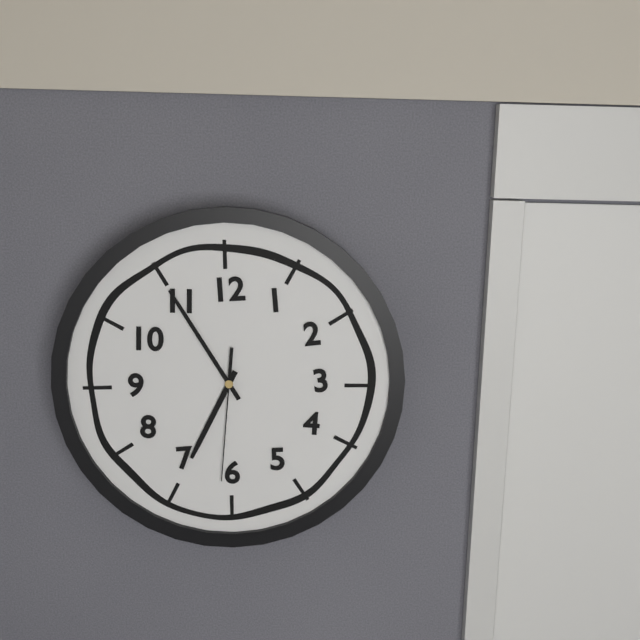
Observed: 6:55:31
